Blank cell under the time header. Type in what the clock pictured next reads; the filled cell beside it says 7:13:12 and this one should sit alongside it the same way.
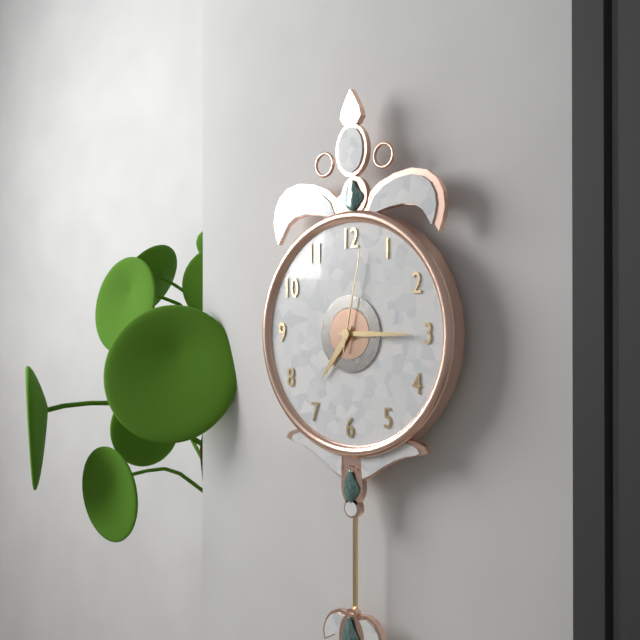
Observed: 7:15:02
